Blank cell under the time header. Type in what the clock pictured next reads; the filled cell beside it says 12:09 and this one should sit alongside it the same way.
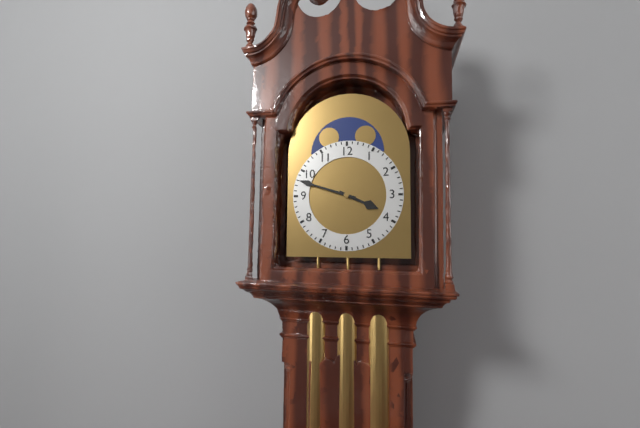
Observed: 3:48
